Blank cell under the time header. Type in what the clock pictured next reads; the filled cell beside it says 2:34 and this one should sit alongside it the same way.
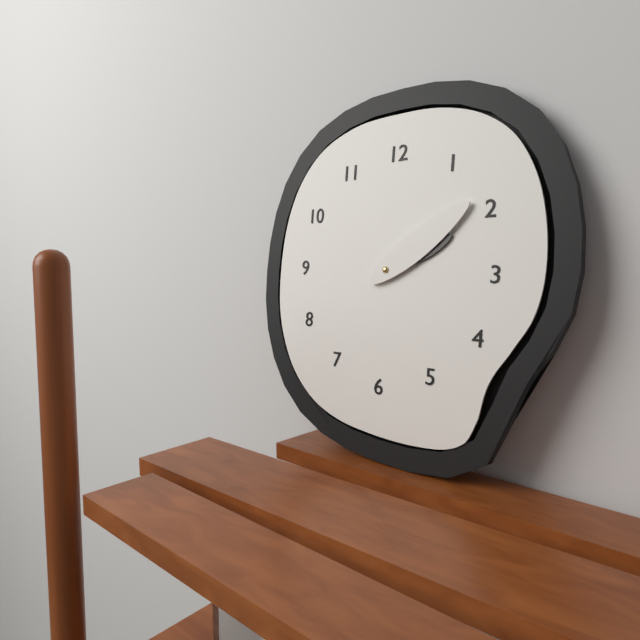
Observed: 2:09
